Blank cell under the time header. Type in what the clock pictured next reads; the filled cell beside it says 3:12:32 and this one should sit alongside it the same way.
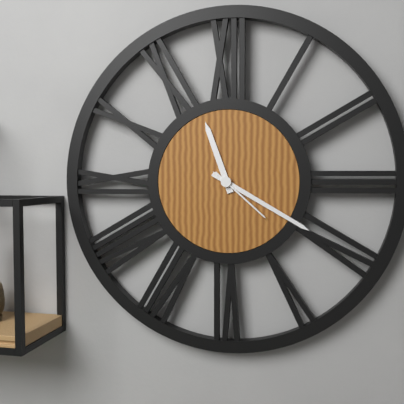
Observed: 11:20:22
